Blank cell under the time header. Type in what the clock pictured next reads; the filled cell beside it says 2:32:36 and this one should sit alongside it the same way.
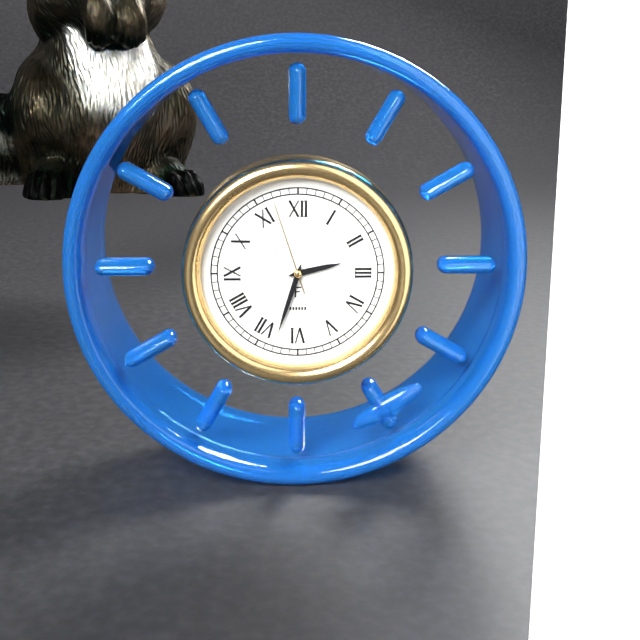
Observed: 2:33:57
